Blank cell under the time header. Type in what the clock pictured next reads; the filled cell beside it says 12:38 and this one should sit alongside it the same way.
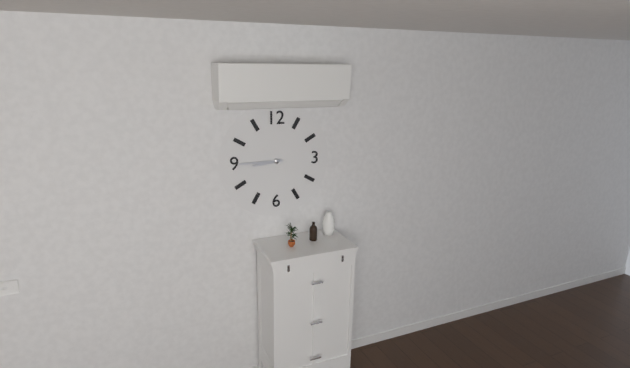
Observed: 8:45
